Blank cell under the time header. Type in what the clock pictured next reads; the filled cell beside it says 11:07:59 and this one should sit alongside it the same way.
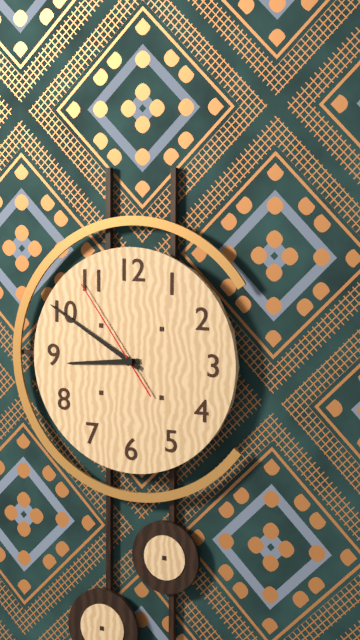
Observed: 8:50:54
